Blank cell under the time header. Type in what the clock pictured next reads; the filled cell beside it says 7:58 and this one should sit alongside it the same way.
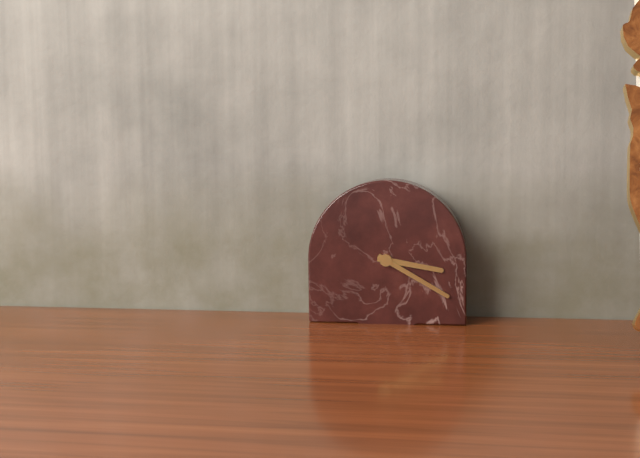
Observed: 3:20
